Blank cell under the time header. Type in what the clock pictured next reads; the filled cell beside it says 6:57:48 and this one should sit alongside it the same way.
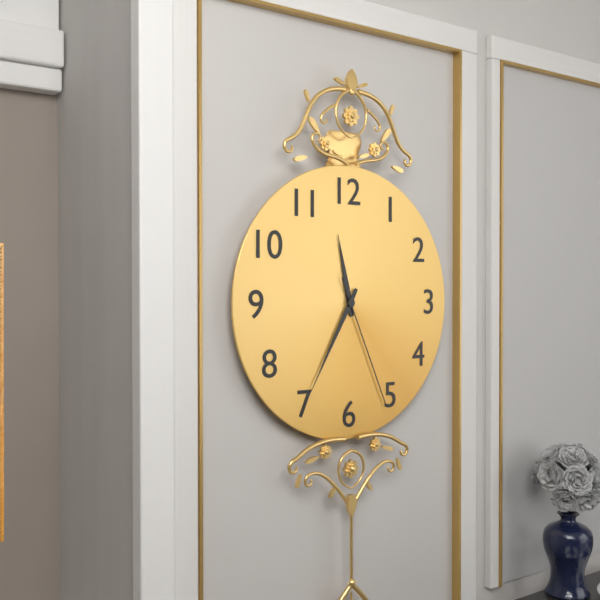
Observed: 11:35:26
